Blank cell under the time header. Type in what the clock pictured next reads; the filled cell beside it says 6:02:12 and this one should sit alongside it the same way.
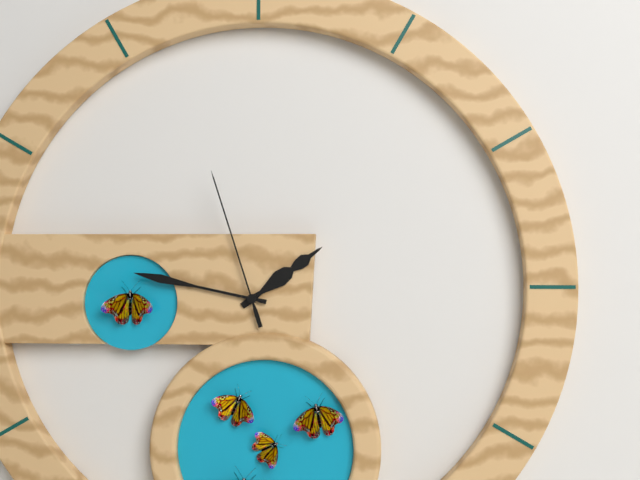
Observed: 1:47:57
